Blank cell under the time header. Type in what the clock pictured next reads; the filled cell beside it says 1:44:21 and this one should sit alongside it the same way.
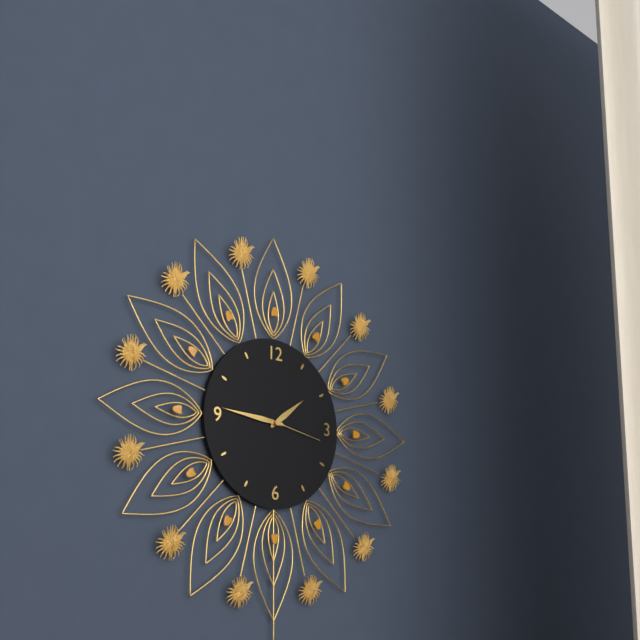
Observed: 1:46:17
